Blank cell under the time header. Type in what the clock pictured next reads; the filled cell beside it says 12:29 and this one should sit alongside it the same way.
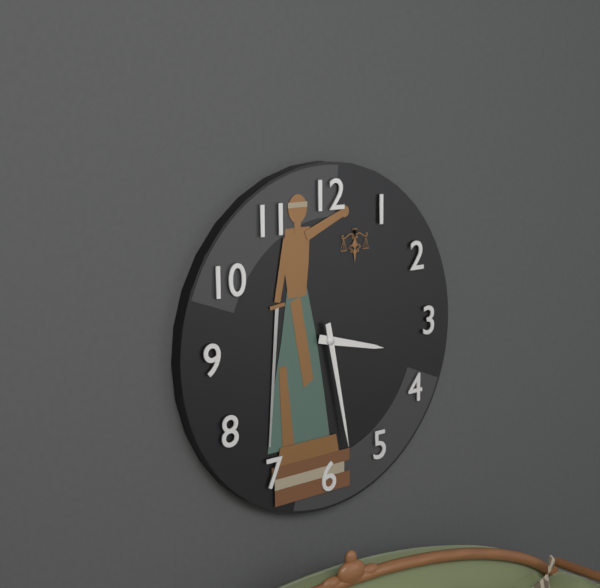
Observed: 3:28
